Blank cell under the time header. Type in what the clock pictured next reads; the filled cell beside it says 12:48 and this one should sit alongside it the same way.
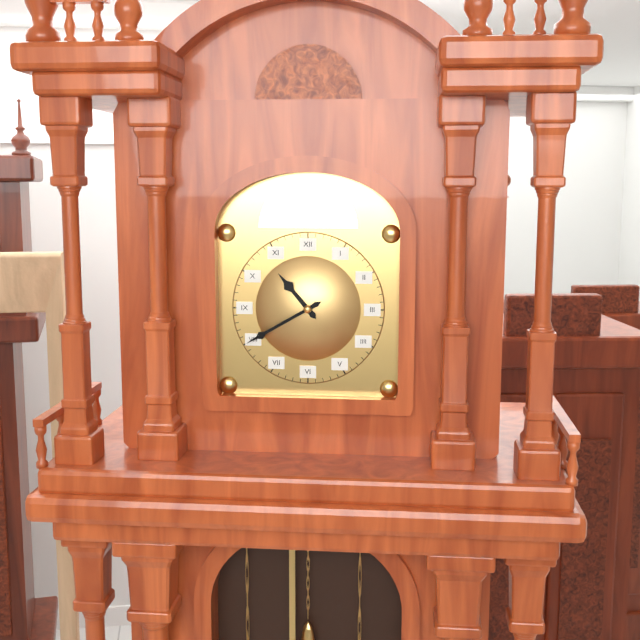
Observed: 10:40
